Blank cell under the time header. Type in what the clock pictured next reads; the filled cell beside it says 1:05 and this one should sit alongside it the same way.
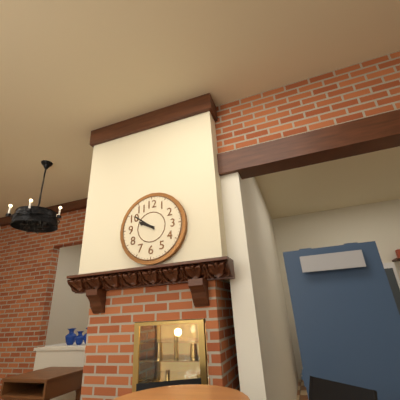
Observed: 9:51
